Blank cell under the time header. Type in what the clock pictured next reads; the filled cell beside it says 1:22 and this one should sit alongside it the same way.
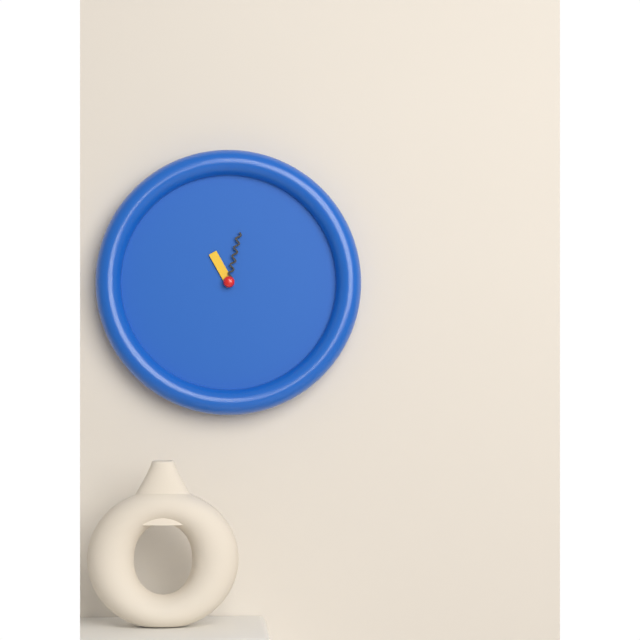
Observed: 11:02
